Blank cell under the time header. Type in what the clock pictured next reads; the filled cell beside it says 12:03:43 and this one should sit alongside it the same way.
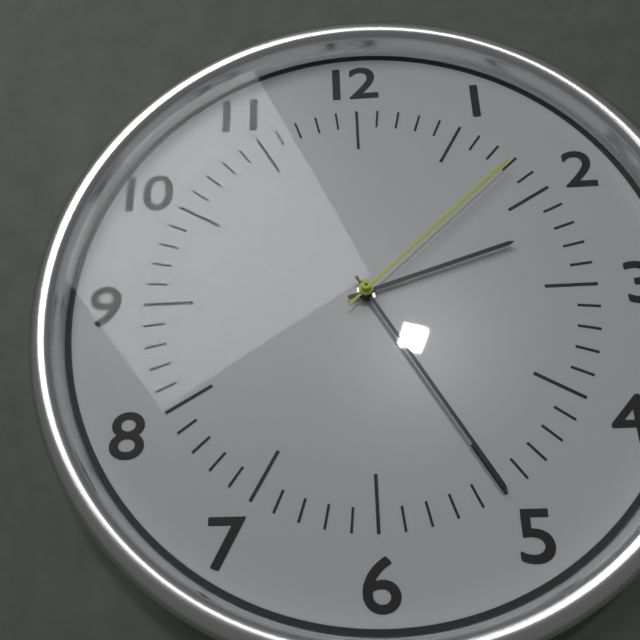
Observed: 2:25:08
